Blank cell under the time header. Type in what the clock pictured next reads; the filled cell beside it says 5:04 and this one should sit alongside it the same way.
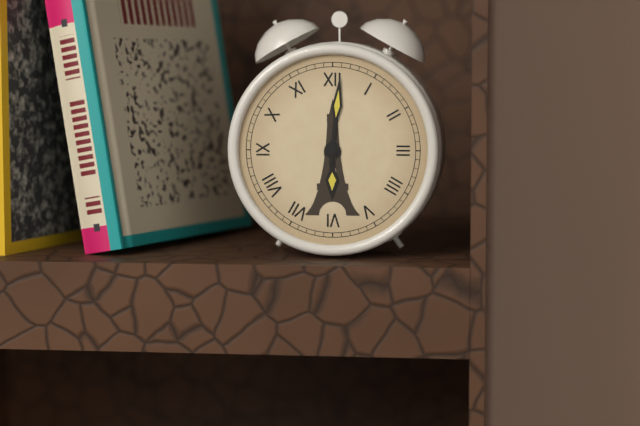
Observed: 6:01
